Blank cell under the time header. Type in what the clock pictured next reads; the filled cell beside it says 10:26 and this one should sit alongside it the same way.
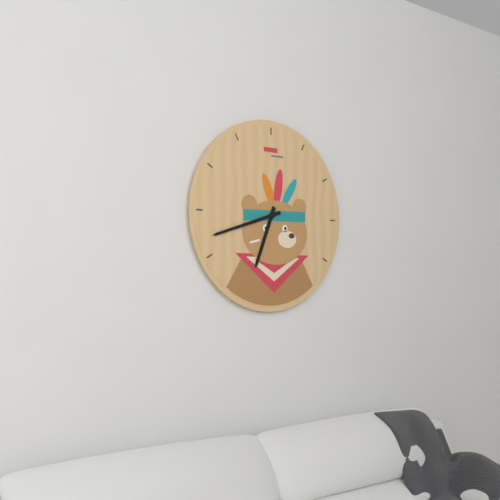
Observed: 6:42
